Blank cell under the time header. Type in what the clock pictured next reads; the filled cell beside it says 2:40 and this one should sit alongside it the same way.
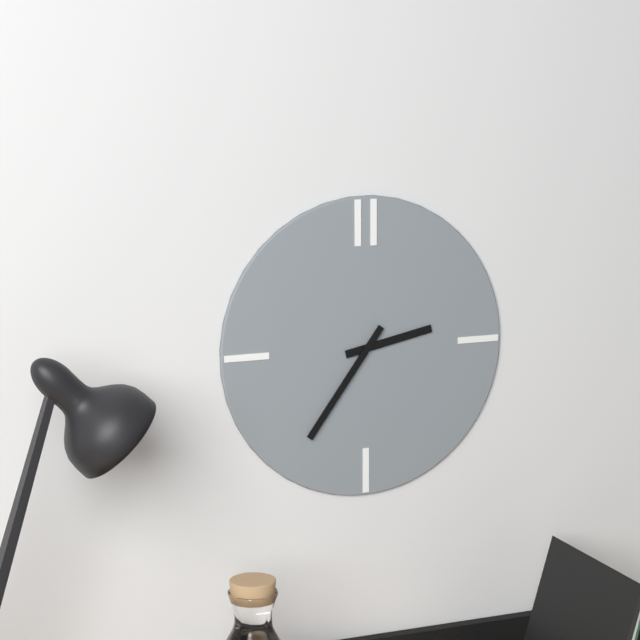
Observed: 2:36
